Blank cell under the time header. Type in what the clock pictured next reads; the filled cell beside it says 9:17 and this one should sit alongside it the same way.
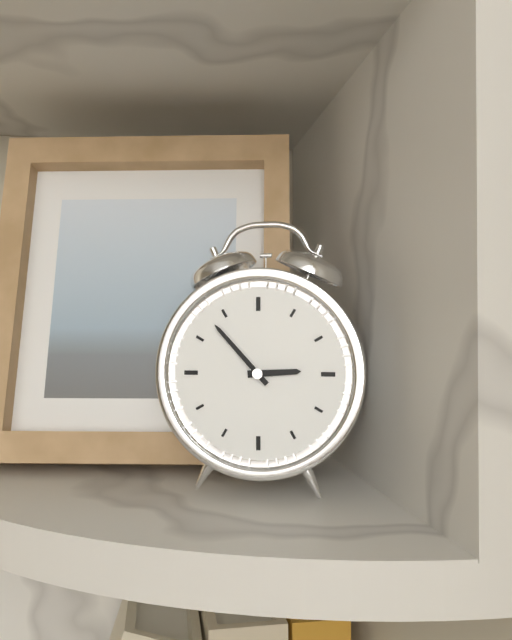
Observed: 2:53
